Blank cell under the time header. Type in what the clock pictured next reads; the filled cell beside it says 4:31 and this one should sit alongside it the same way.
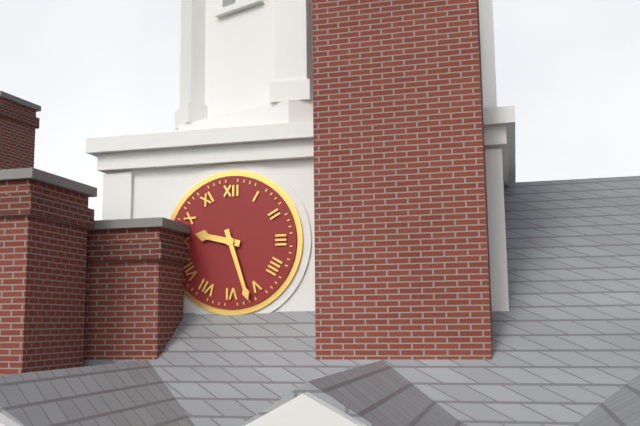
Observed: 9:27
